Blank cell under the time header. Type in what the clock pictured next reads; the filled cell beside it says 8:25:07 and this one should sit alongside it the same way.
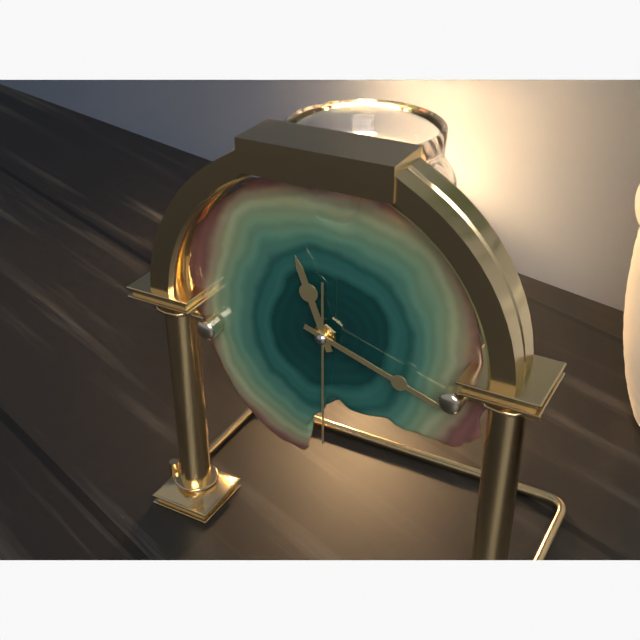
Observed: 11:18:30
